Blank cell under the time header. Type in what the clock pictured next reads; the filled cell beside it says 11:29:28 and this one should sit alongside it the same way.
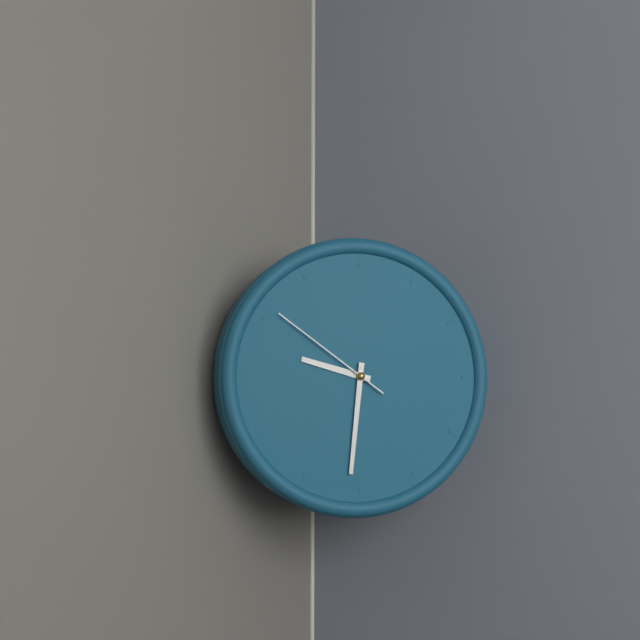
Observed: 9:31:51
